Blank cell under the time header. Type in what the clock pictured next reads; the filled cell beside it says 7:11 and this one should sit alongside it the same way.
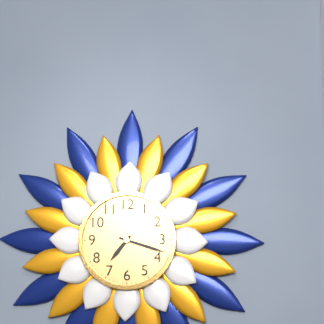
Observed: 7:18
